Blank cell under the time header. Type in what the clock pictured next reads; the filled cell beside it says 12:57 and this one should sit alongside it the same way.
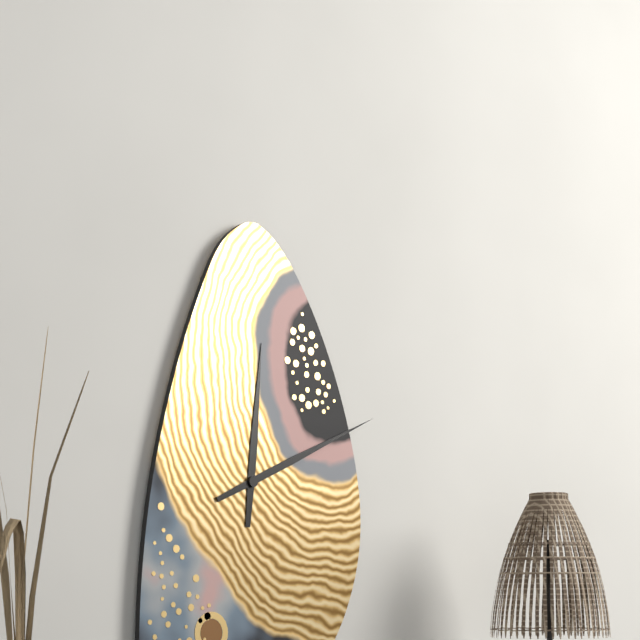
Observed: 12:11
